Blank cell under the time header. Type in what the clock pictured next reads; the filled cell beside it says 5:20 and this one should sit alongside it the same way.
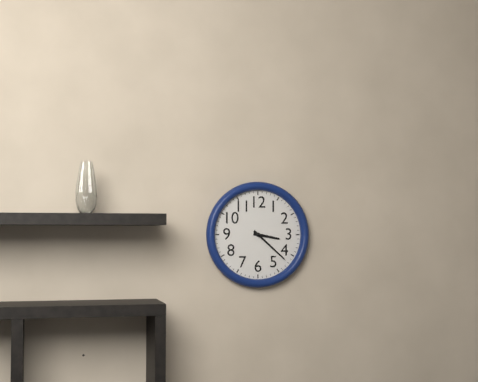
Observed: 3:22
